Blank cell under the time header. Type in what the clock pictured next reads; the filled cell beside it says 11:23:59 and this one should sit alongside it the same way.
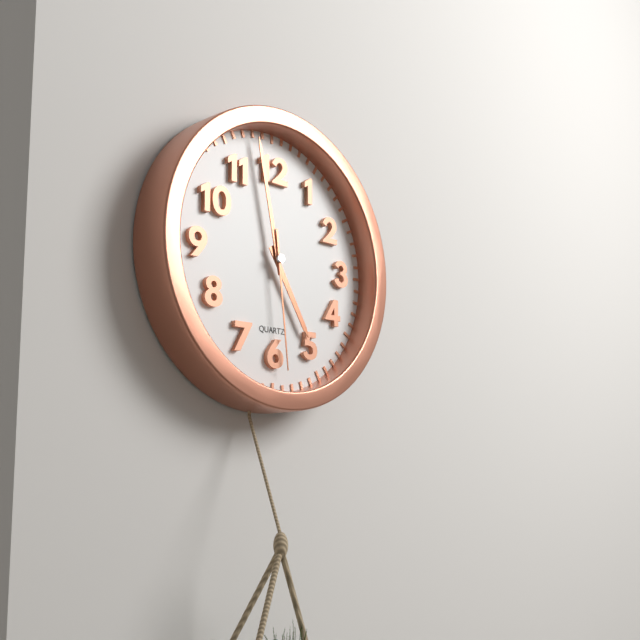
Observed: 4:58:29
